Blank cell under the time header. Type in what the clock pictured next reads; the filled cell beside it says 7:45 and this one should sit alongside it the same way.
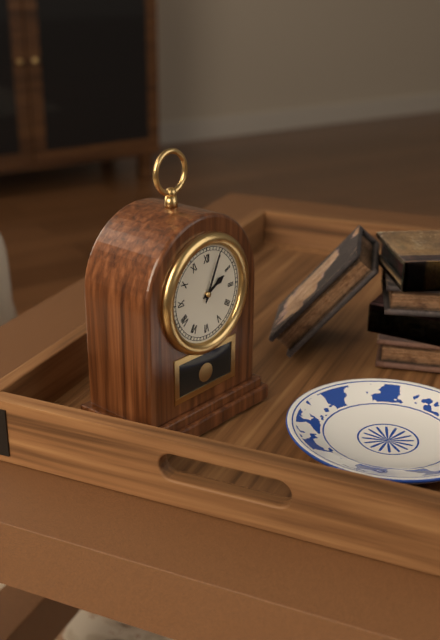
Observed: 2:04
